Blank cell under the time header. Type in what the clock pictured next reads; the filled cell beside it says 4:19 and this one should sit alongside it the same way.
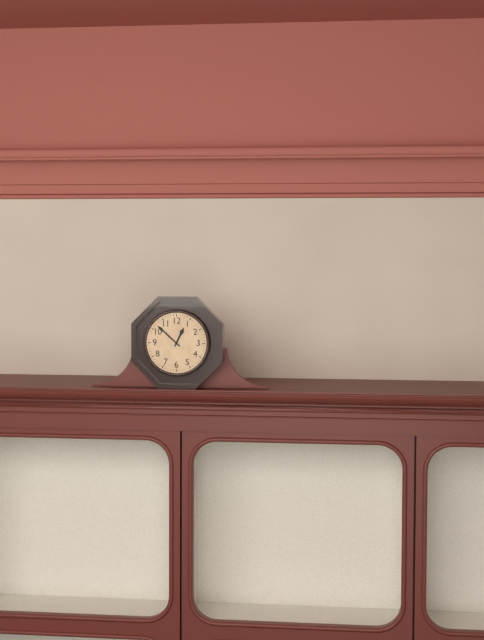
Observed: 12:52
